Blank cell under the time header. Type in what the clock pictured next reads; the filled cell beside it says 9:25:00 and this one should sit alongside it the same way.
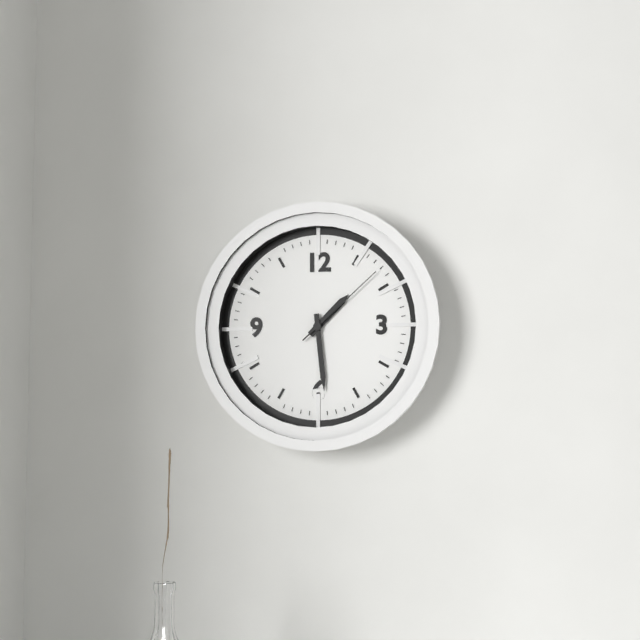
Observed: 1:29:08
